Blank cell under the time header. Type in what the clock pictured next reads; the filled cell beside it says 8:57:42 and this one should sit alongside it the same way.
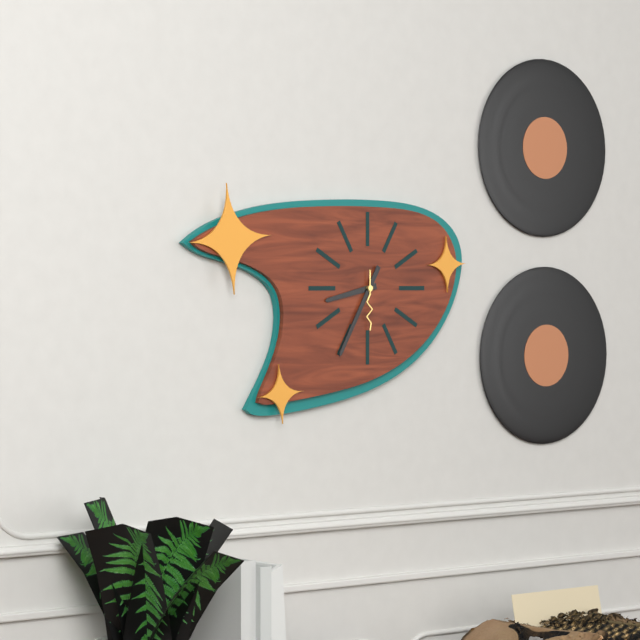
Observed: 8:35:30
